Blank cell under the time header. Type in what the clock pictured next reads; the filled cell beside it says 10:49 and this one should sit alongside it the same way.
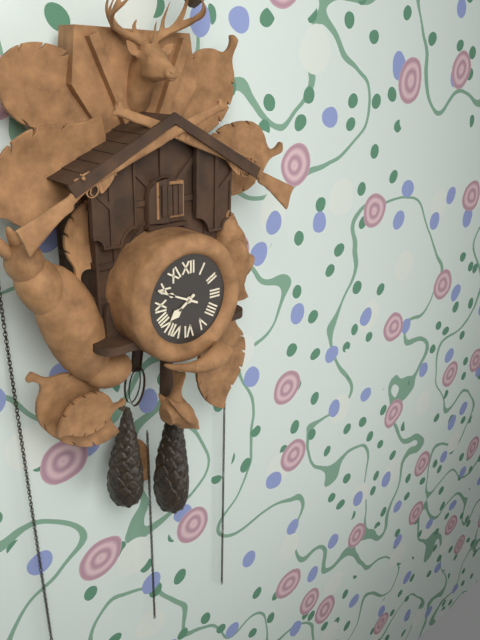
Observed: 7:49
